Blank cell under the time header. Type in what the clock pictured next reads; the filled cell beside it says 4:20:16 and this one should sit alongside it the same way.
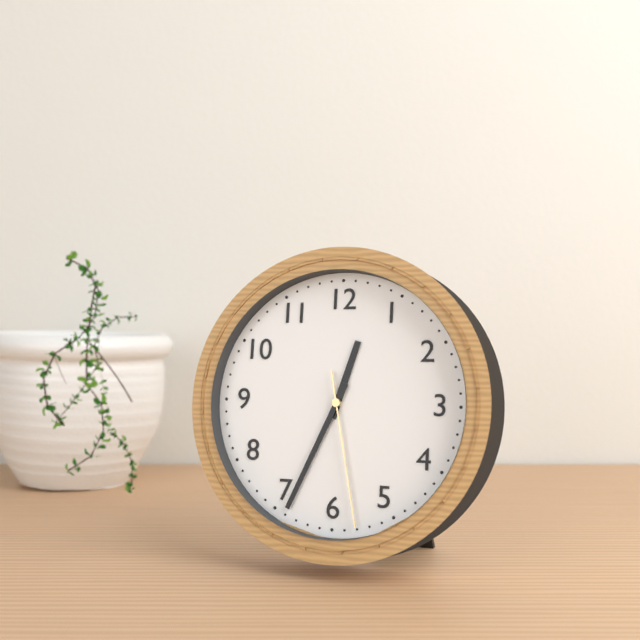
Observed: 12:34:28
